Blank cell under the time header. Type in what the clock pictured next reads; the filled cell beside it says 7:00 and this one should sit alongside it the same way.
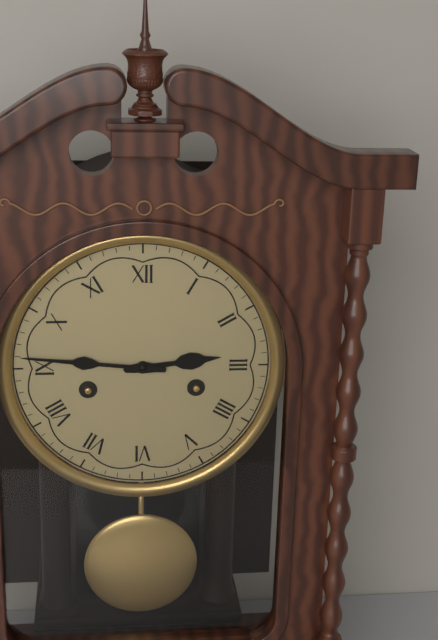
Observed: 2:46
